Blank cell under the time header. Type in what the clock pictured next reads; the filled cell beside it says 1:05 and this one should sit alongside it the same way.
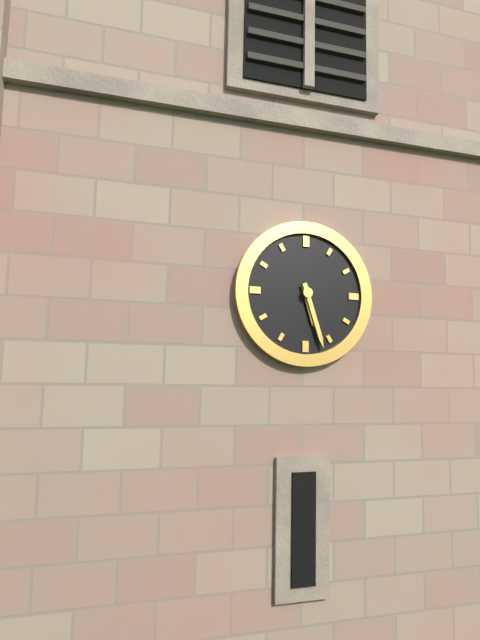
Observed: 5:27
